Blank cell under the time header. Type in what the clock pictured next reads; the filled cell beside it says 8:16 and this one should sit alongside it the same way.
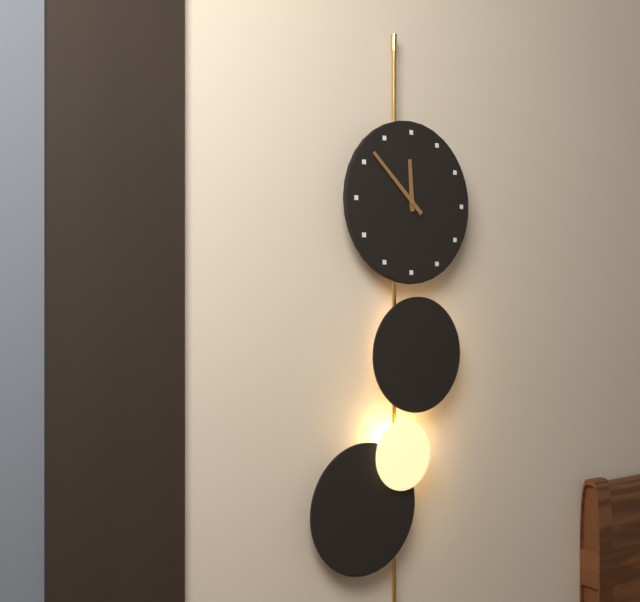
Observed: 11:52
